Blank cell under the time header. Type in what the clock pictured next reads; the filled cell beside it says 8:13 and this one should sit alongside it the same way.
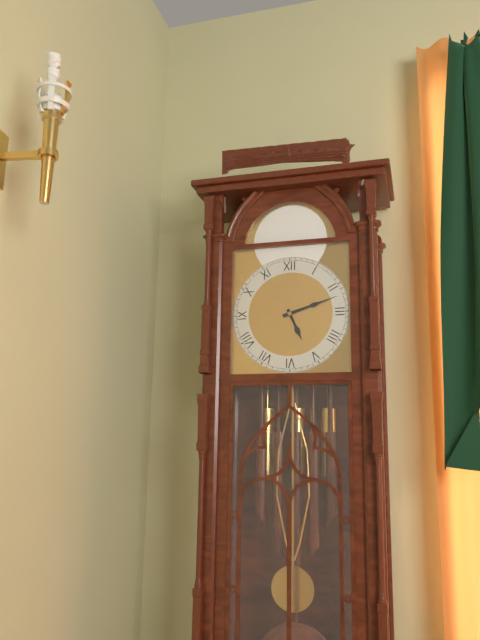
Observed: 5:12
